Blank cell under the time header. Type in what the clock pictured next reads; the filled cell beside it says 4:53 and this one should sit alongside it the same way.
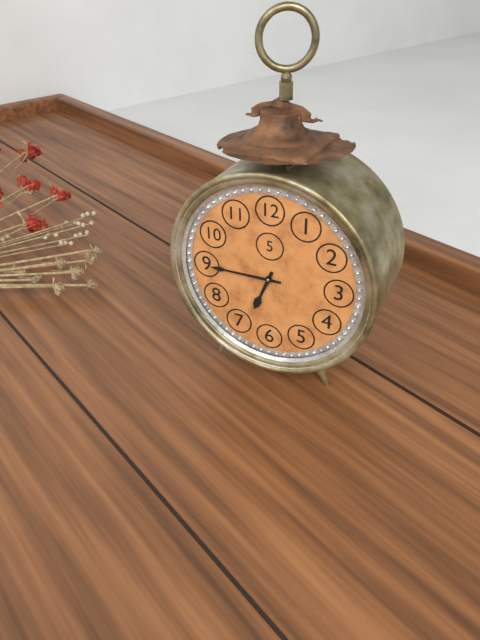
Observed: 6:45
